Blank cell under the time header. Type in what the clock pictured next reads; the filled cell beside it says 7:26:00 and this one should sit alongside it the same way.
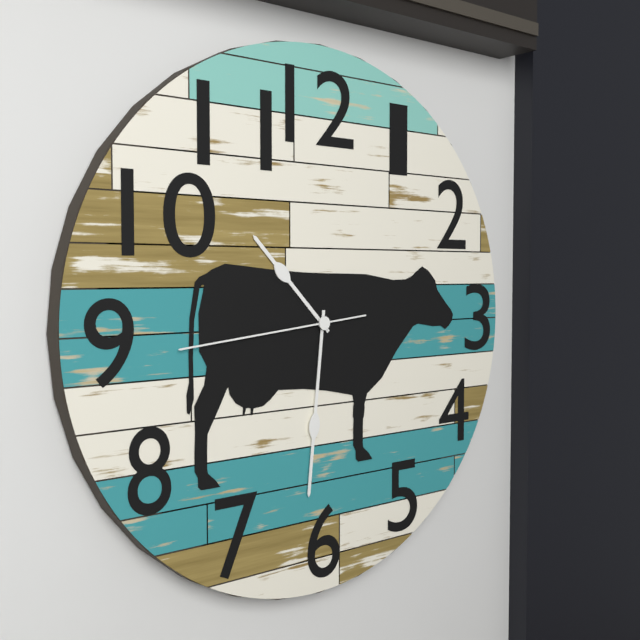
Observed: 10:31:44
